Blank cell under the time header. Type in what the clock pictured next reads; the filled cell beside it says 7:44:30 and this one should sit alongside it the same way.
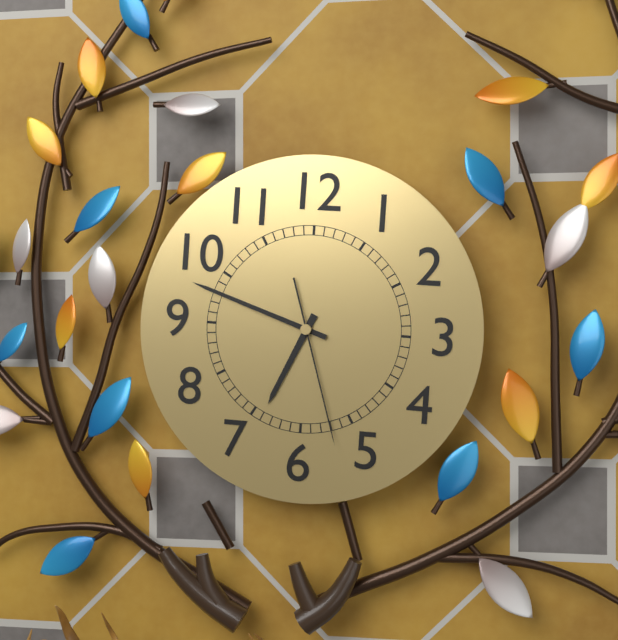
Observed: 6:48:27
